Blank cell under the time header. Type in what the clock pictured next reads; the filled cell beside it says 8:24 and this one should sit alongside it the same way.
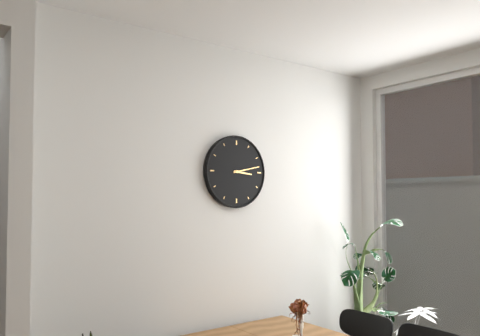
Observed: 3:13
